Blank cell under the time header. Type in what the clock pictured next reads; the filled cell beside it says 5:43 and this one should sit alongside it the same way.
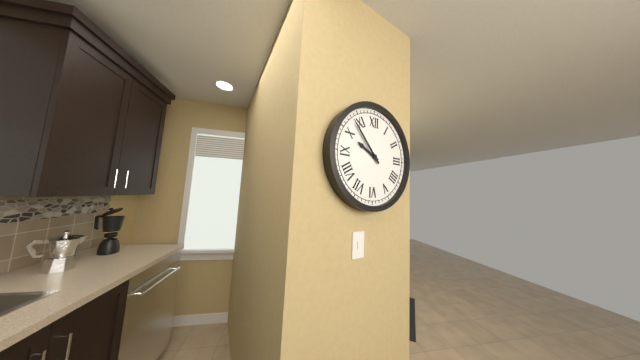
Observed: 9:53
